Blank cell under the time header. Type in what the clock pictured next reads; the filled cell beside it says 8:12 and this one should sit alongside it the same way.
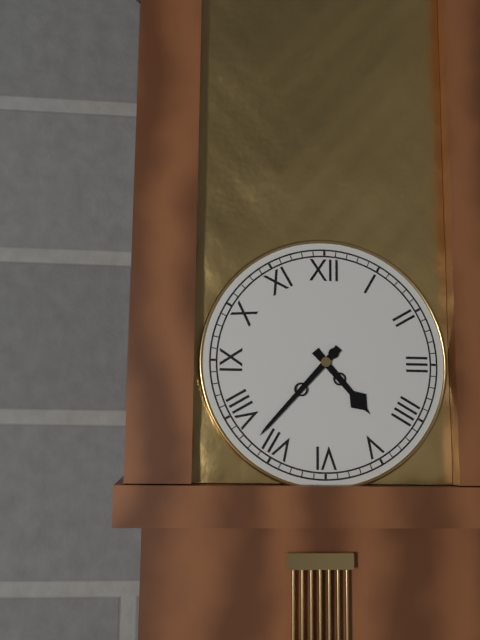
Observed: 4:37
